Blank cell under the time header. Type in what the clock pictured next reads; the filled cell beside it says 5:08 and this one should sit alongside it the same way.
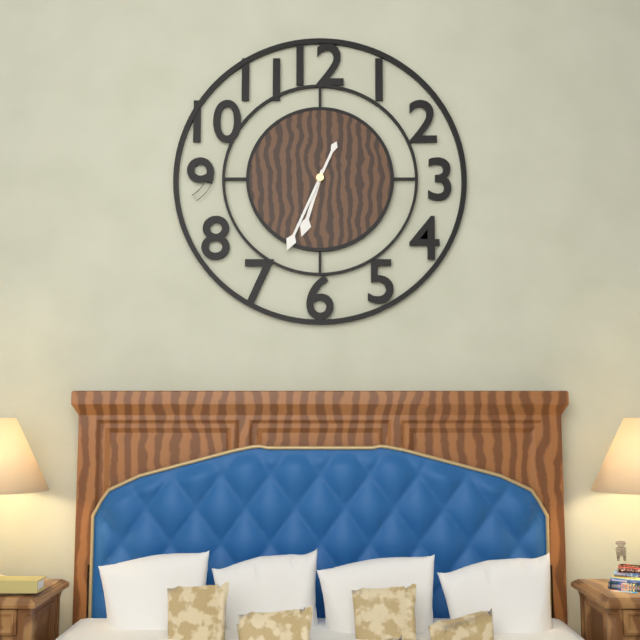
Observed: 6:34
